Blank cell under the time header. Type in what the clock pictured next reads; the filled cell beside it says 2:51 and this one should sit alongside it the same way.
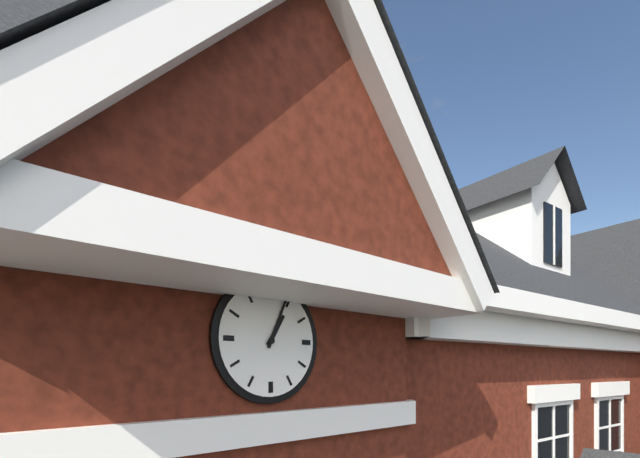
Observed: 1:04
